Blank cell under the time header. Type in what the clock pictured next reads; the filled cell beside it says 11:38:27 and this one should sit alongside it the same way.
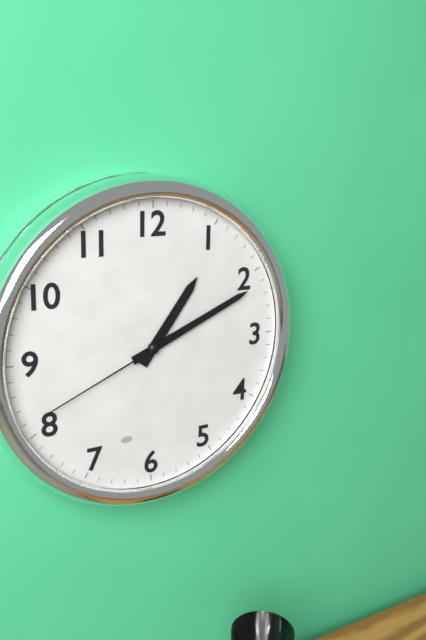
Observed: 1:11:41
